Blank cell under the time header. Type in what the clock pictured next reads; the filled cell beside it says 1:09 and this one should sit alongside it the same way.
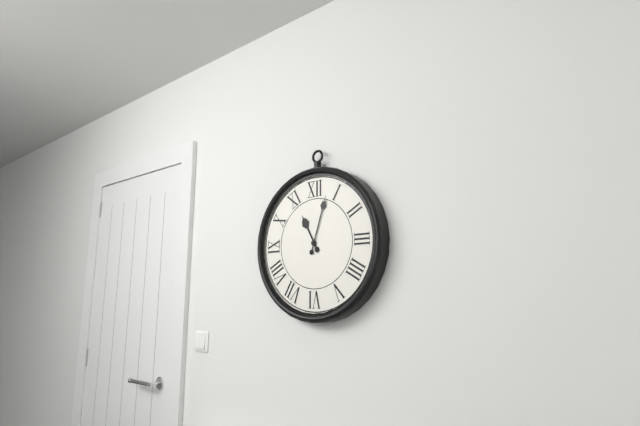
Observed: 11:03
